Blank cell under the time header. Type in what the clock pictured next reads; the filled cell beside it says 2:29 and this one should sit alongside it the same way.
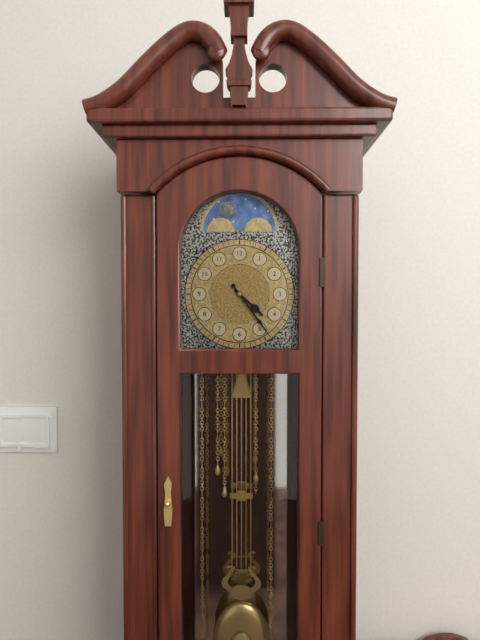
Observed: 4:24
